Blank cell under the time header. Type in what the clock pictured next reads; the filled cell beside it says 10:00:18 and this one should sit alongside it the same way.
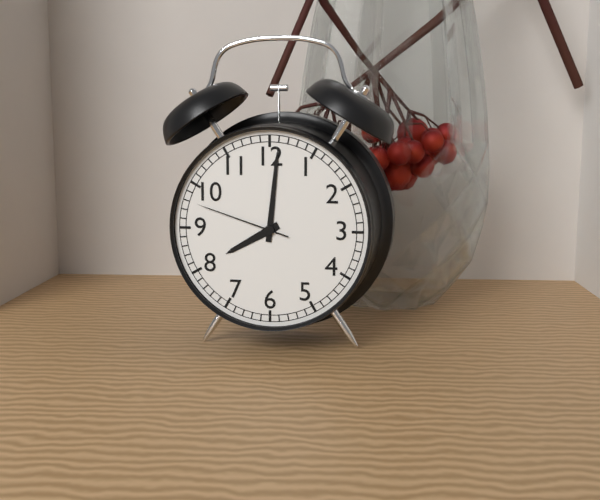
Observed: 8:01:48
